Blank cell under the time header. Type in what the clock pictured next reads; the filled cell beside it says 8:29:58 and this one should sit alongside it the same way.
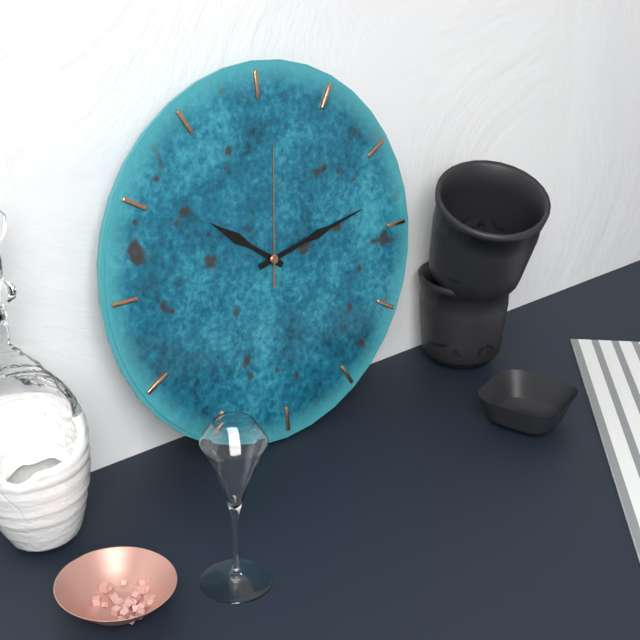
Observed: 10:13:01
